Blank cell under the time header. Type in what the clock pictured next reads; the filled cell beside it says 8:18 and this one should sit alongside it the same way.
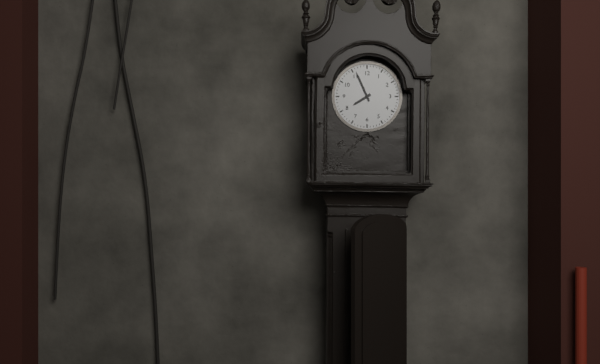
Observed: 7:56
